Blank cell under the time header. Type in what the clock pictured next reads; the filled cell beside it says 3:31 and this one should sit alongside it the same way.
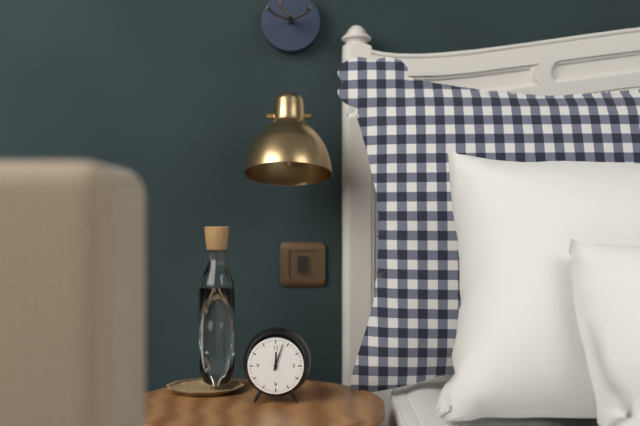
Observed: 12:03
